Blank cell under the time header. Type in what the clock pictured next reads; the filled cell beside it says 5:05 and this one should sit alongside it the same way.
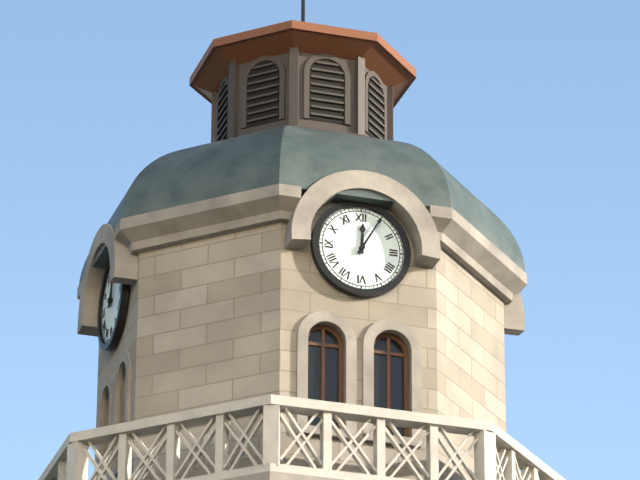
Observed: 12:05
